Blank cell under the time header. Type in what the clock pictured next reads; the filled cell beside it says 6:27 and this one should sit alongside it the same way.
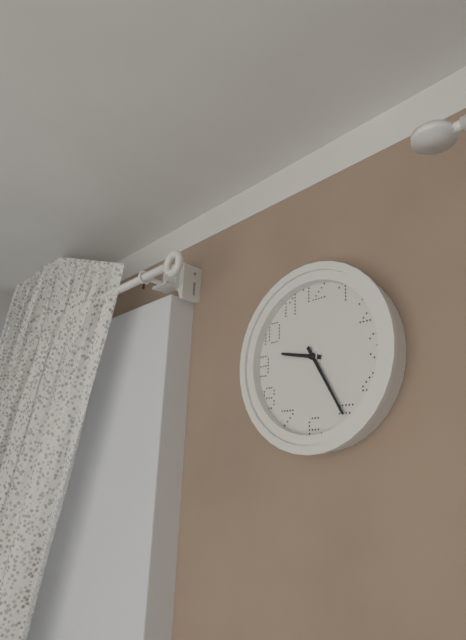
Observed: 9:25
